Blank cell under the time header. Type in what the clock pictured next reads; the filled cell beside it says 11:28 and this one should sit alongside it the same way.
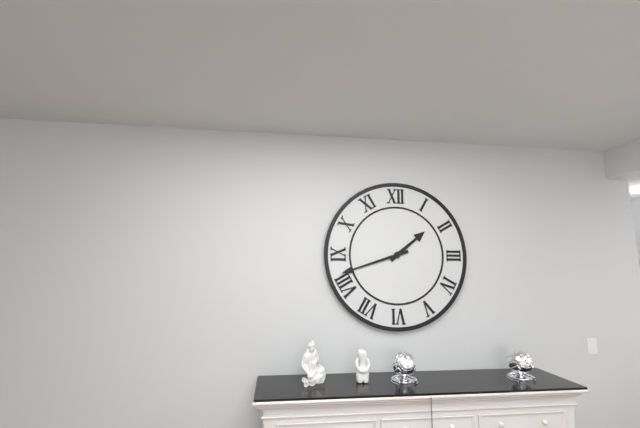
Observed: 1:42
